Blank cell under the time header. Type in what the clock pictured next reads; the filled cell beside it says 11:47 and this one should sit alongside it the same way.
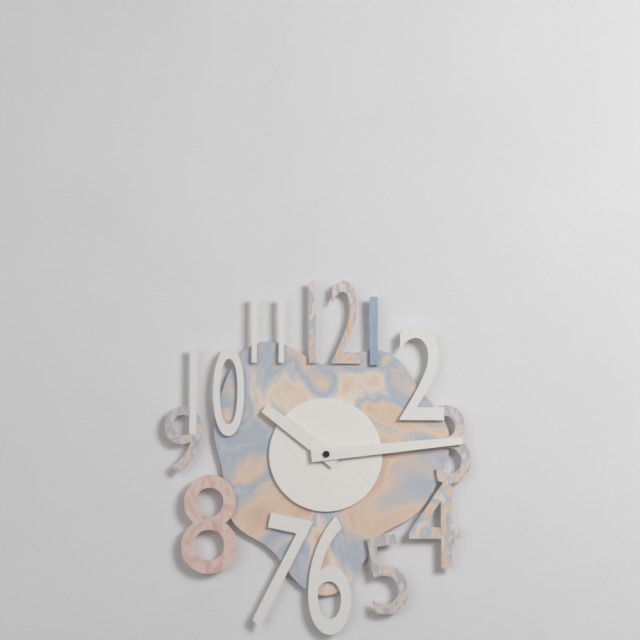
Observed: 10:14
